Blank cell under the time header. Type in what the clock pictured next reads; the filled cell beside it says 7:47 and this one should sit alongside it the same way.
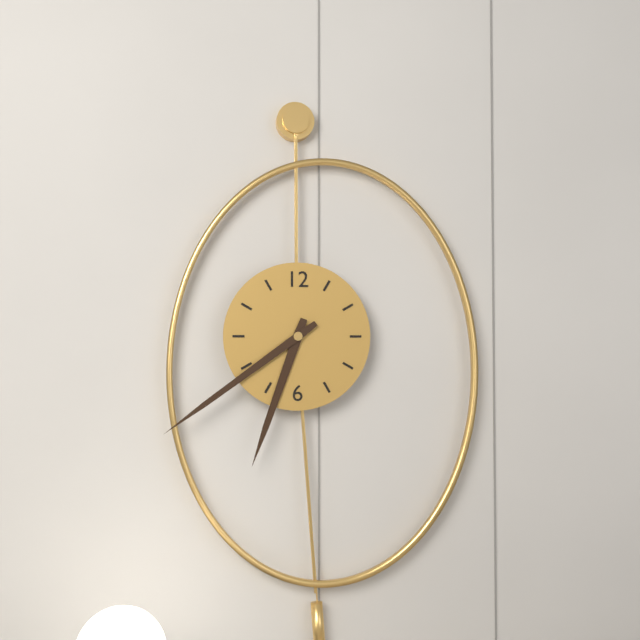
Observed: 6:39
